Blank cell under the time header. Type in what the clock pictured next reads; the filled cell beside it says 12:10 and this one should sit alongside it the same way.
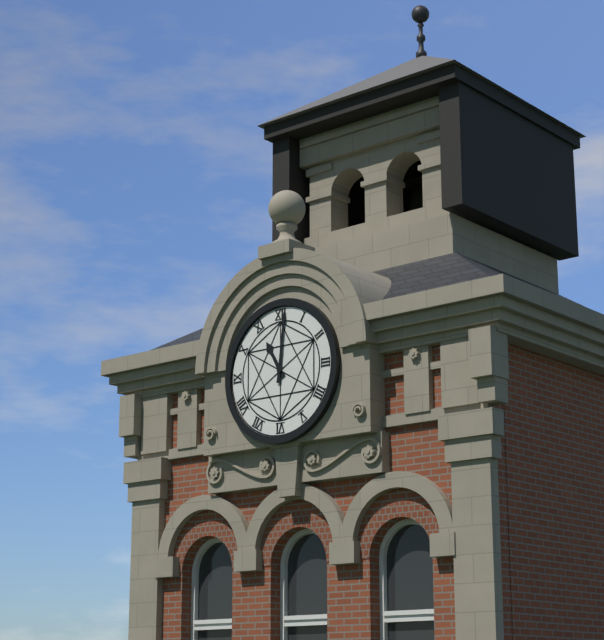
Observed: 11:01
